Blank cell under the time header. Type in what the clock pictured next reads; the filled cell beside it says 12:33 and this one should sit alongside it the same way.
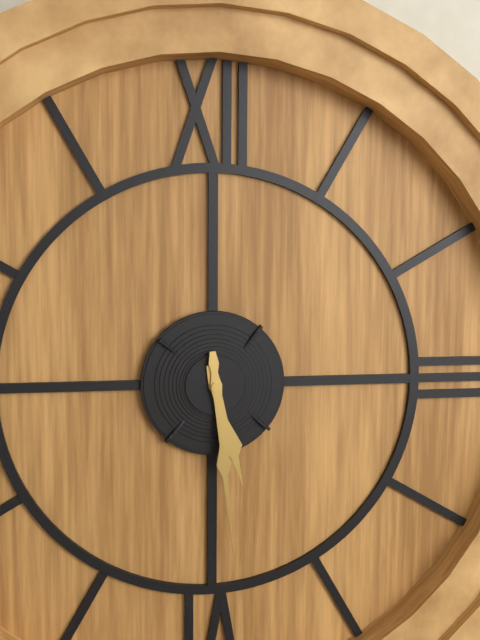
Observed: 5:29
